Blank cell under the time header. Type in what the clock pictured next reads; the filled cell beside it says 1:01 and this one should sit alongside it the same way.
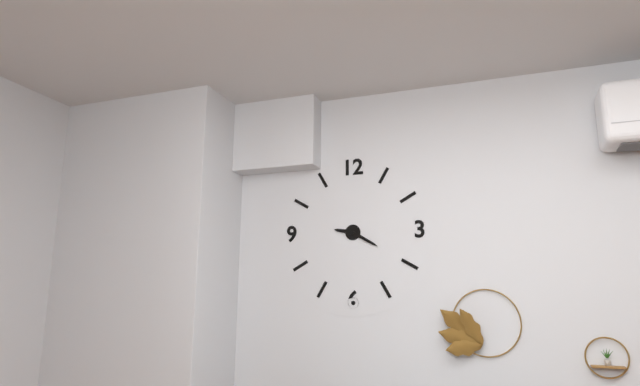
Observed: 9:20
